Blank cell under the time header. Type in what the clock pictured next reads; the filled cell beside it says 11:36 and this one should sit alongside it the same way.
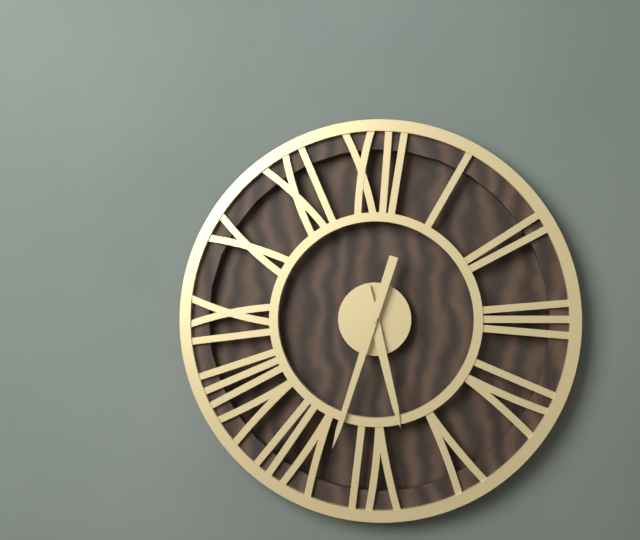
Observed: 5:33
